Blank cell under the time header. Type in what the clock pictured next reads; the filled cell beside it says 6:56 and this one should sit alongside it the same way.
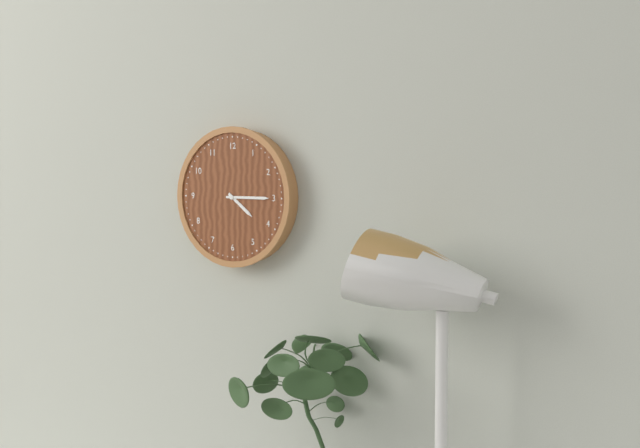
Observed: 4:15
